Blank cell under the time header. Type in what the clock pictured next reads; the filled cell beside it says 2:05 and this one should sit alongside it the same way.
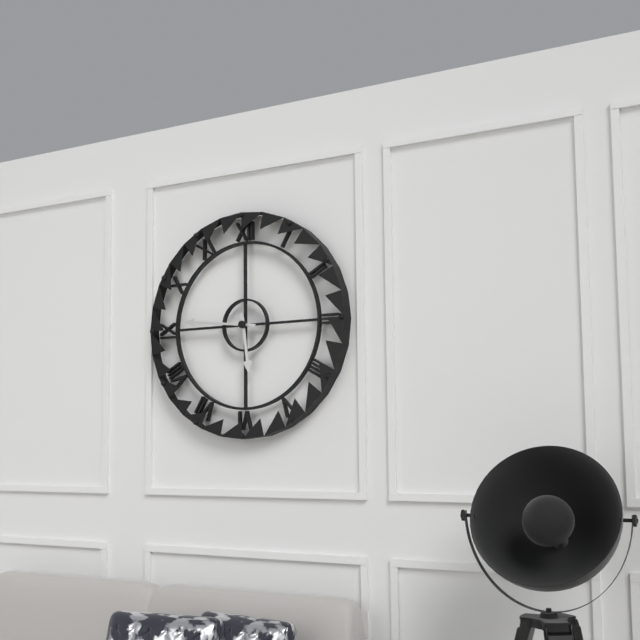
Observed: 5:46
